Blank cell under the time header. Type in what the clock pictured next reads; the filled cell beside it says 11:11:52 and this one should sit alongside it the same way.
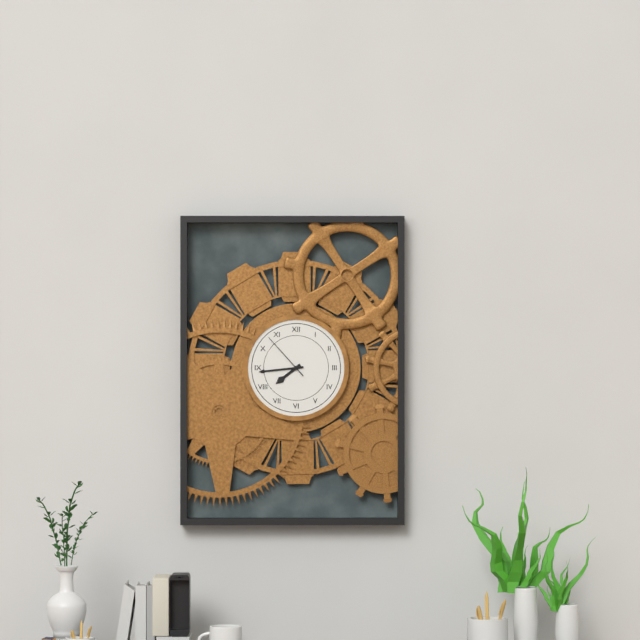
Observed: 7:44:53
